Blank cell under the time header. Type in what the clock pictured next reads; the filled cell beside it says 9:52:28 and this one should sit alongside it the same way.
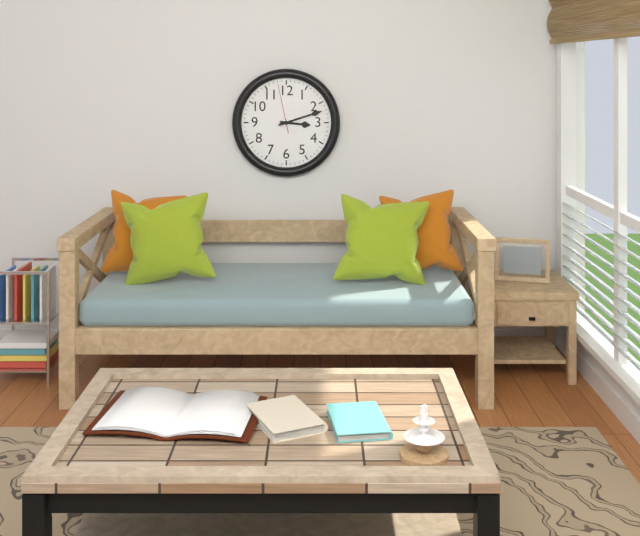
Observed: 3:12:58
